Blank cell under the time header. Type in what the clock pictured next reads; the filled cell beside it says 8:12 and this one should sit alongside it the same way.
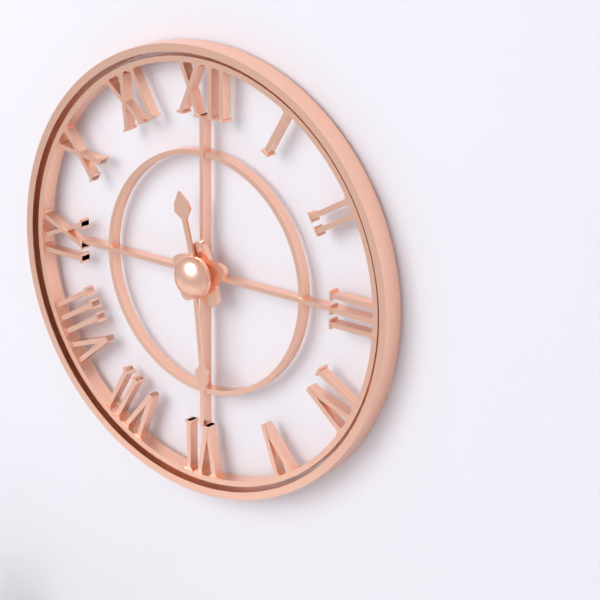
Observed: 11:29
